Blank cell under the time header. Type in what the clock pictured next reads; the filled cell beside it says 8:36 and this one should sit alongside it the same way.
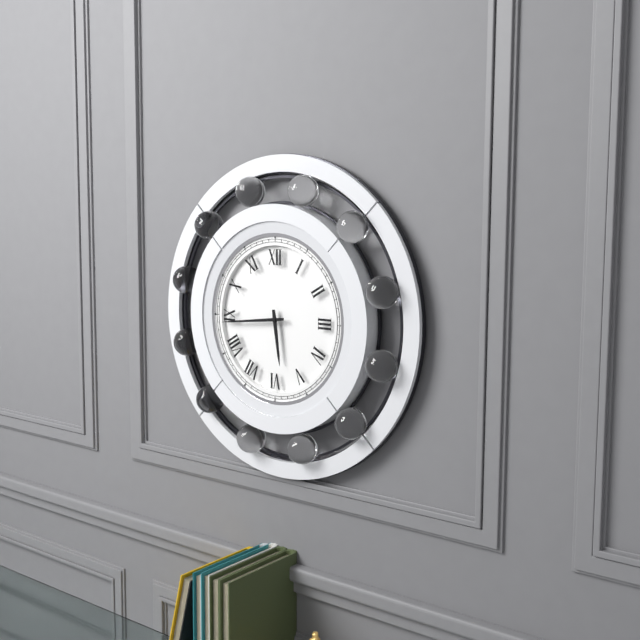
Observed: 5:44
